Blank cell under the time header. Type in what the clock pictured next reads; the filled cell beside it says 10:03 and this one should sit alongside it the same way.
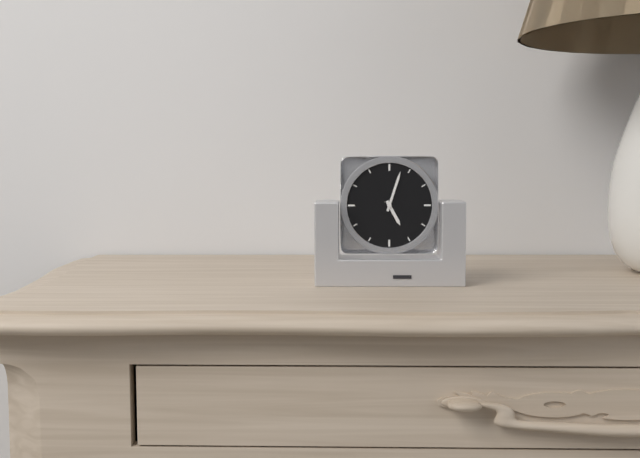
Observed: 5:03
